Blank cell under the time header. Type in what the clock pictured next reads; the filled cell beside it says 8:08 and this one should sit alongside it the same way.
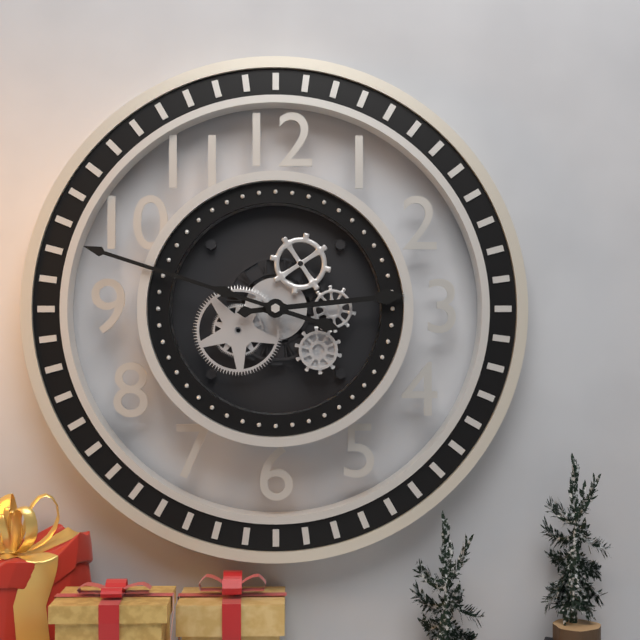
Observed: 2:48
